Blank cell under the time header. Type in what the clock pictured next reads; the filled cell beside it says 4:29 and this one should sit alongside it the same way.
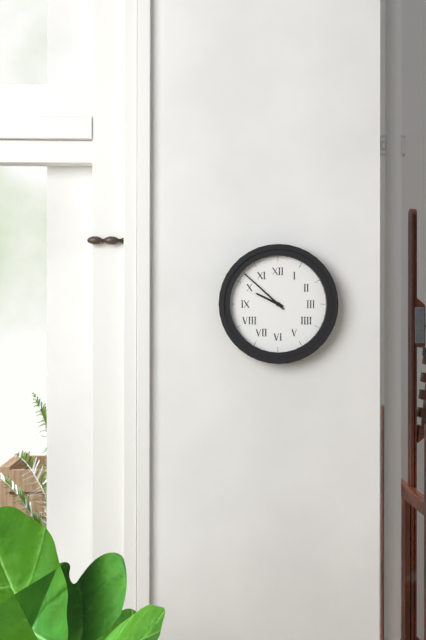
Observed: 9:52
